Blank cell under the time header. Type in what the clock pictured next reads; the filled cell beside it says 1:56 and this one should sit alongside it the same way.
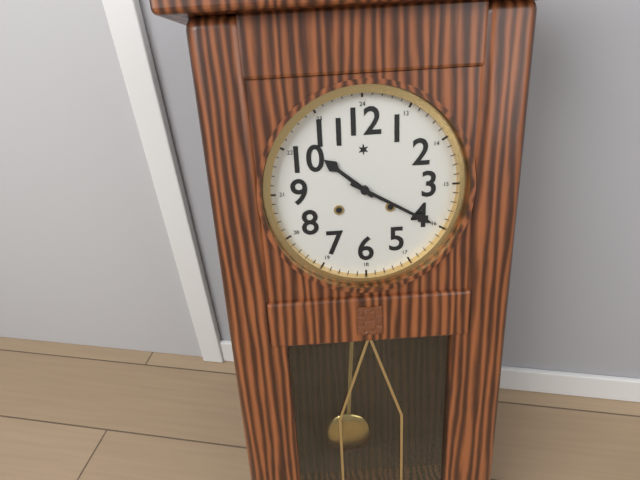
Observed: 10:20
